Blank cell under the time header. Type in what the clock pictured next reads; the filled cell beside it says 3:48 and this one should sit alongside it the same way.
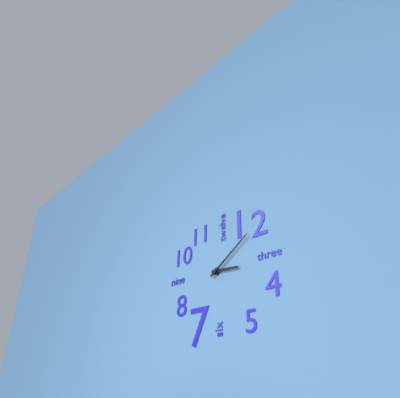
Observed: 3:09
